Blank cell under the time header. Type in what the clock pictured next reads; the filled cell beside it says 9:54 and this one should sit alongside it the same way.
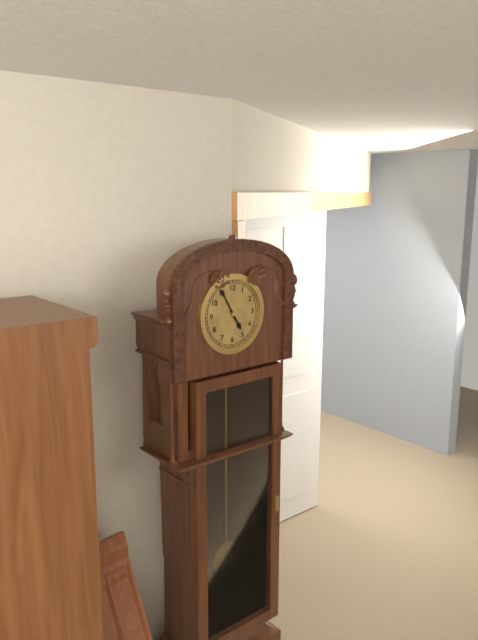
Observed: 4:55
